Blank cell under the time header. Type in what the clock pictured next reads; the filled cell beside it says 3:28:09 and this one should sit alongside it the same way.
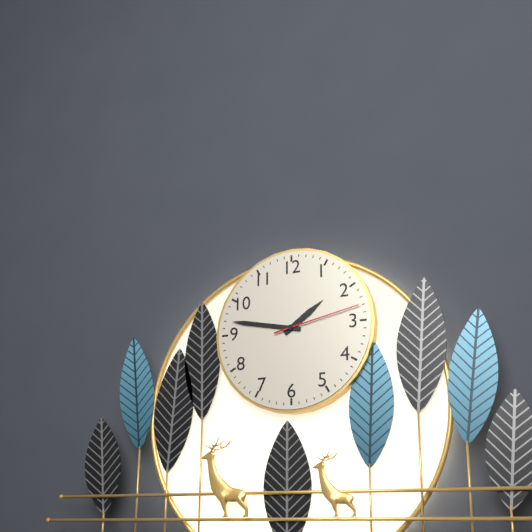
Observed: 1:47:13
